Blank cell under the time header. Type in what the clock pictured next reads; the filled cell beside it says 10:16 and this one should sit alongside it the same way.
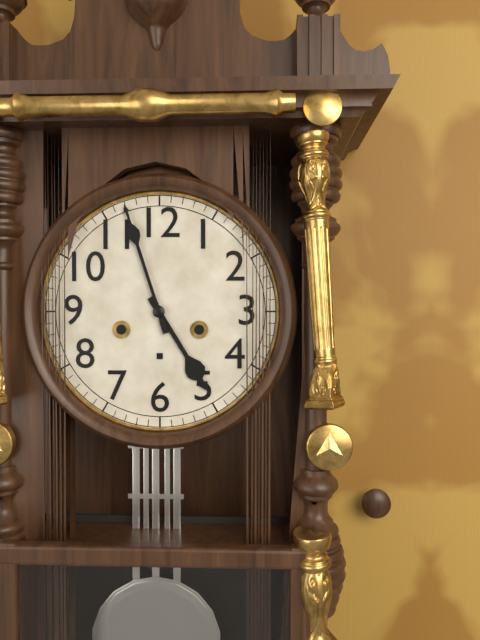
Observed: 4:57
